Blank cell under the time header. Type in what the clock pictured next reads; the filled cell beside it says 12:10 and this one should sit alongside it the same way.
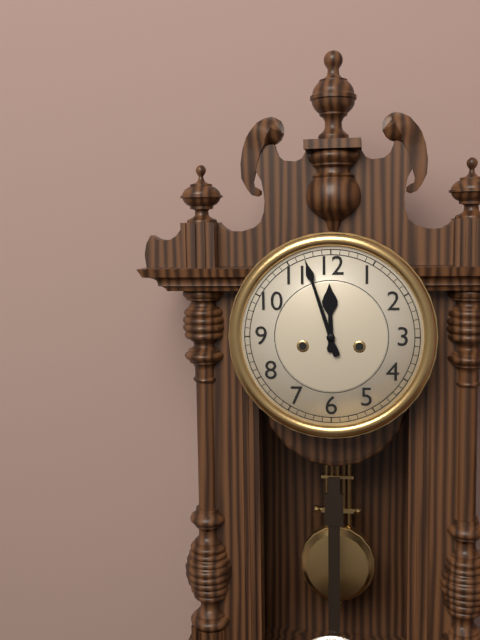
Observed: 11:57
